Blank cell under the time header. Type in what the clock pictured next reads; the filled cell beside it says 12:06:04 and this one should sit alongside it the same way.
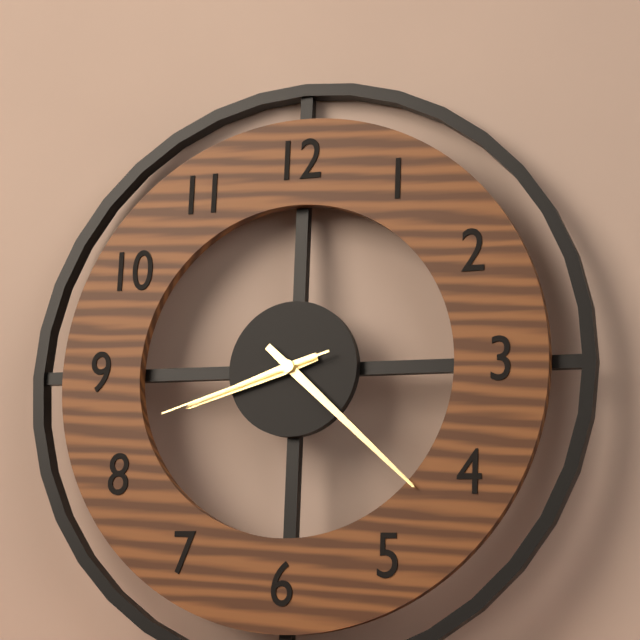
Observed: 8:22:42
